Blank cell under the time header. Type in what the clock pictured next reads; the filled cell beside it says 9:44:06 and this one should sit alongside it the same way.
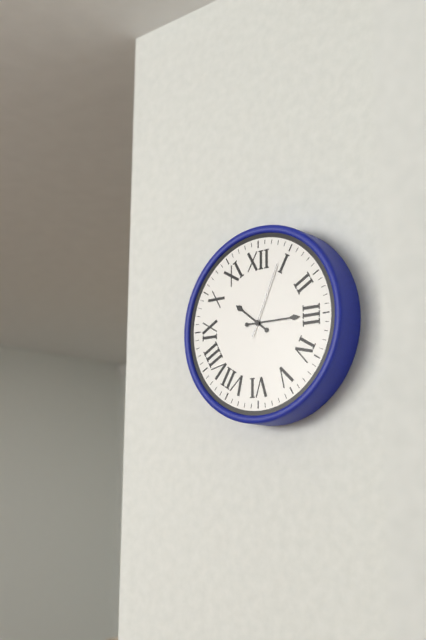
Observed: 10:15:04
